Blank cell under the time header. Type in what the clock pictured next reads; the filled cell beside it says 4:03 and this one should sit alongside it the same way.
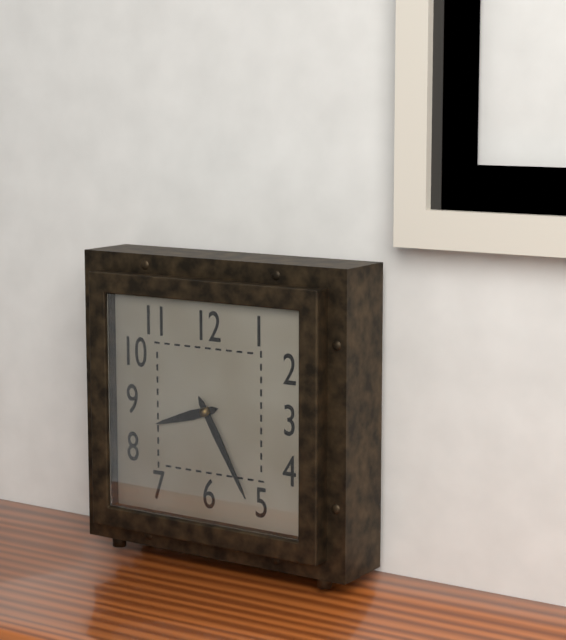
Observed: 8:25
